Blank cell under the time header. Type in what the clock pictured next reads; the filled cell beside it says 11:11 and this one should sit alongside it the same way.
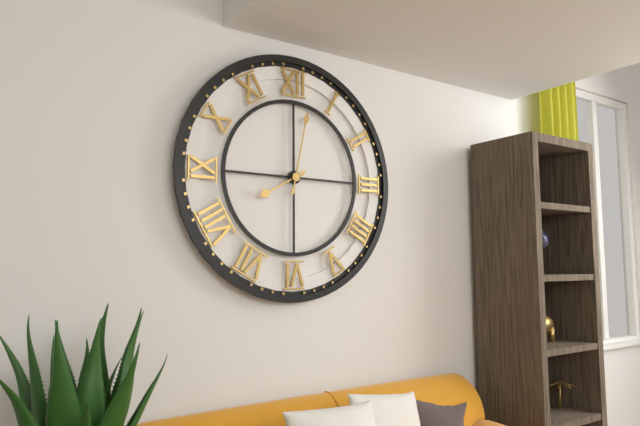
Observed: 8:02
